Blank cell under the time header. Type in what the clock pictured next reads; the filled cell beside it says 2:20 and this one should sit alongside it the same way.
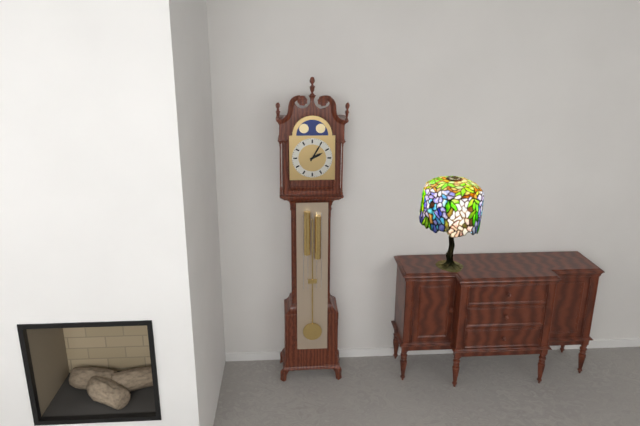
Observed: 2:05
